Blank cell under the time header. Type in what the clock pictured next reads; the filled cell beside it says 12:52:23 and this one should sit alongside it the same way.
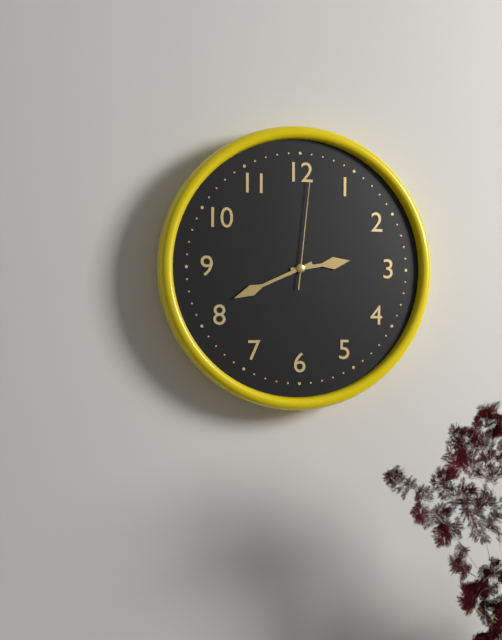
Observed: 2:41:01
